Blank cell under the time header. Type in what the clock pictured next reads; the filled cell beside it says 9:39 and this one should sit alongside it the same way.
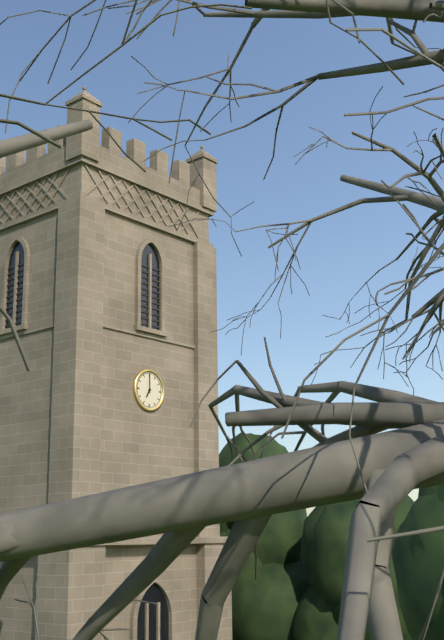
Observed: 7:00
